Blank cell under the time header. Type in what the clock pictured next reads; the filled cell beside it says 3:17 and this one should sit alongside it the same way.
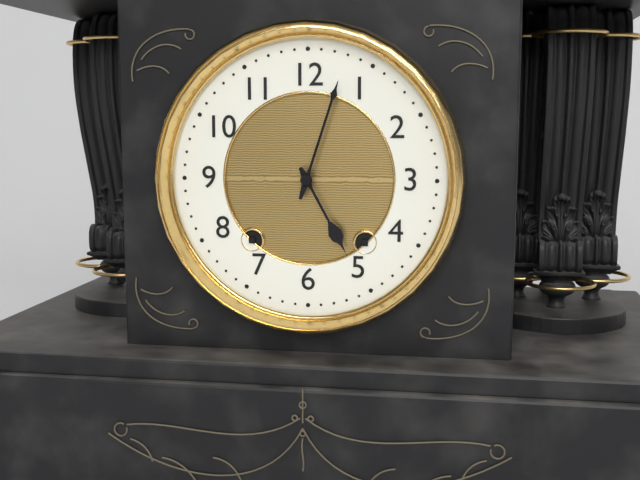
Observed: 5:03
